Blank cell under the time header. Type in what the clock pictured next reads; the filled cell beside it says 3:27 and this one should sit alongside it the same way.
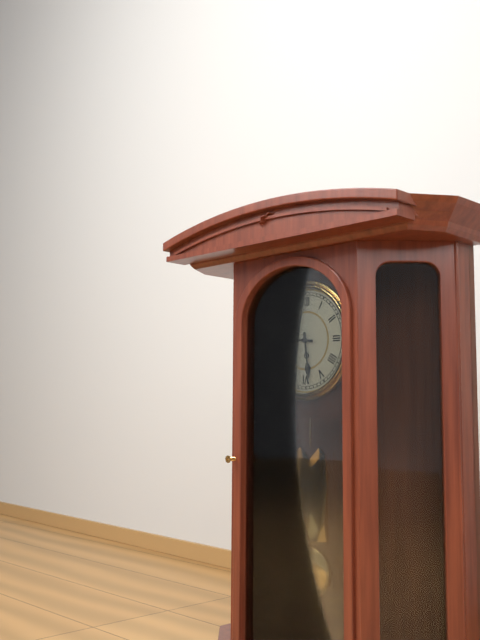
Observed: 5:46
